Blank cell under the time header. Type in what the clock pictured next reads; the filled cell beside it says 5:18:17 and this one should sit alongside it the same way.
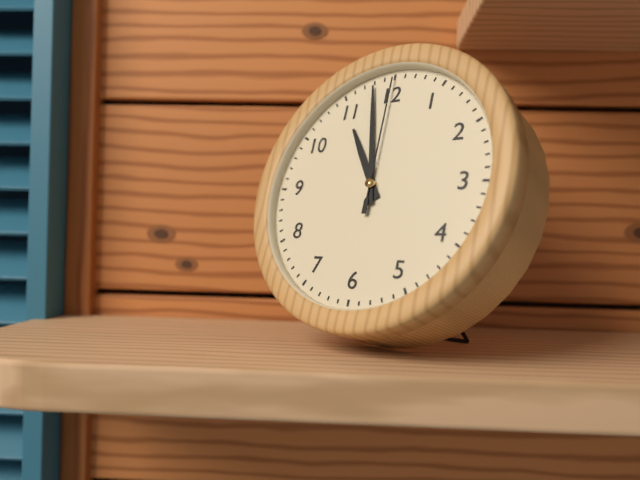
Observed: 10:58:00
